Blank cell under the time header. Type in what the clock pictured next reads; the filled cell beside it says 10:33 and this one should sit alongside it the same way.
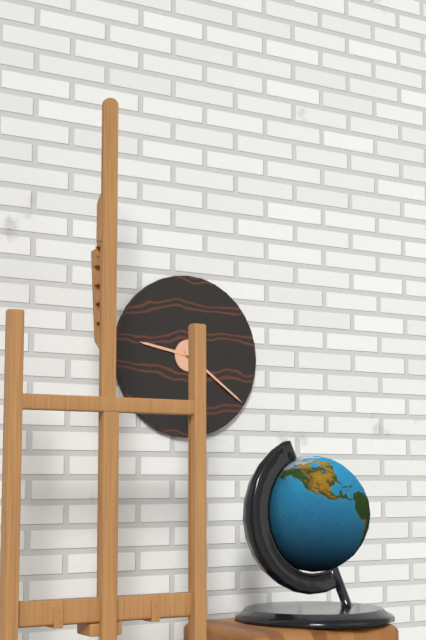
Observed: 9:21
